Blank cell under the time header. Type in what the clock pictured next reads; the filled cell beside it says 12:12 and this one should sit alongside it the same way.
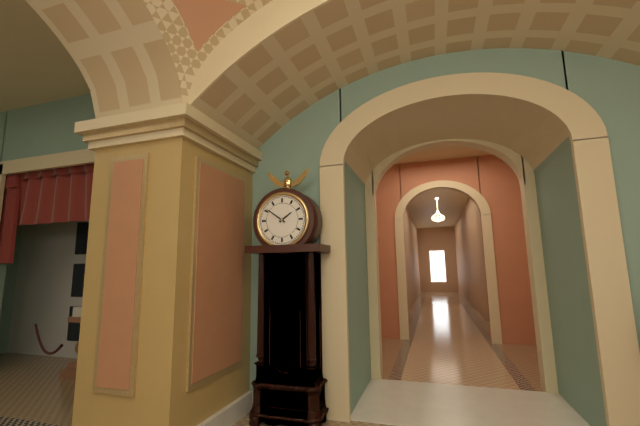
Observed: 1:51
